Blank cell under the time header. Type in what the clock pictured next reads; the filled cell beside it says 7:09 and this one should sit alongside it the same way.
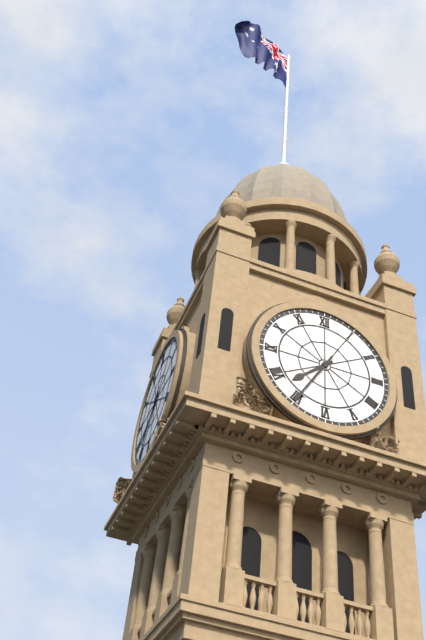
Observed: 7:35
